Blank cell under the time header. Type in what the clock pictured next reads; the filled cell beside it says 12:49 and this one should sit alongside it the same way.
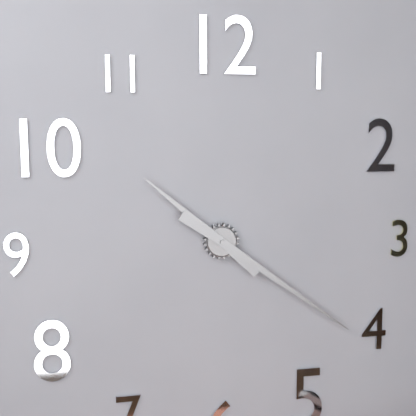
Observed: 10:21
